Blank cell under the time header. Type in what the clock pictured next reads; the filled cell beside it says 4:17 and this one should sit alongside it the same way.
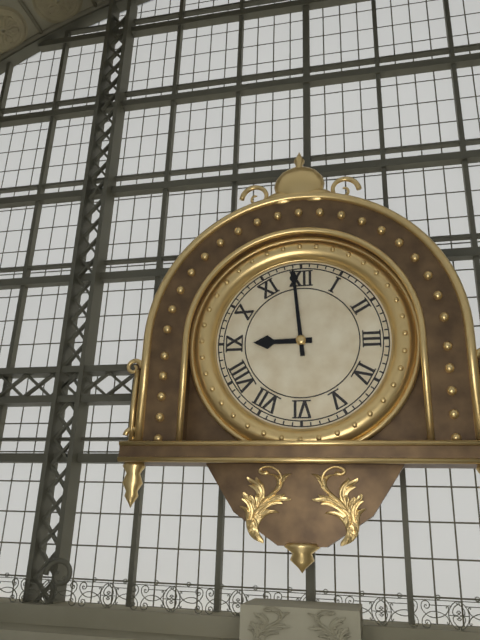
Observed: 8:59
